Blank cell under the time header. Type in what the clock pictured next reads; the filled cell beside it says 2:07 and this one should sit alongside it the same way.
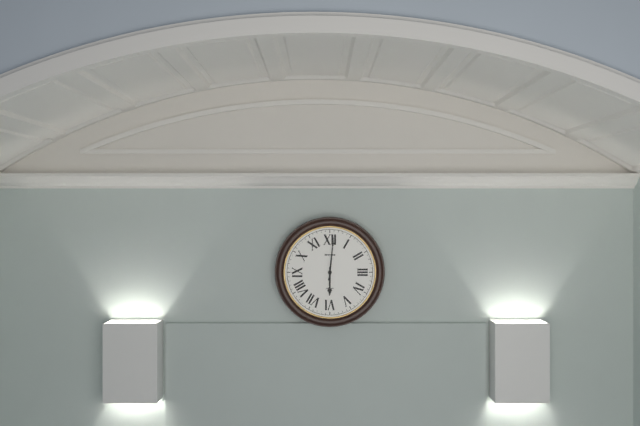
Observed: 6:01
